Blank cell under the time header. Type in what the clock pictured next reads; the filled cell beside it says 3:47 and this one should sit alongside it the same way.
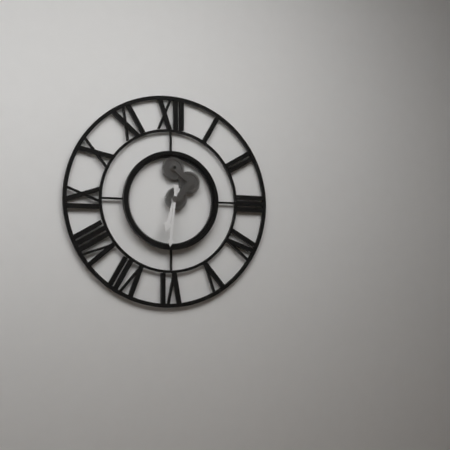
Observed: 6:31
